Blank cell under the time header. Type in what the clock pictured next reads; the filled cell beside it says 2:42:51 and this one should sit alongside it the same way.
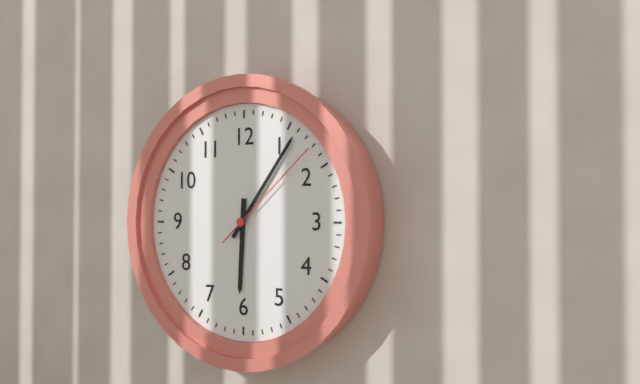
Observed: 6:06:08
